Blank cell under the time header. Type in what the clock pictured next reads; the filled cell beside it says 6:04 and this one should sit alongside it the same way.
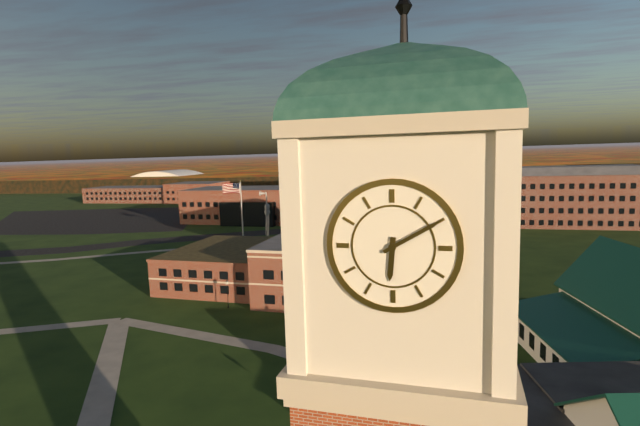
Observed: 6:10
